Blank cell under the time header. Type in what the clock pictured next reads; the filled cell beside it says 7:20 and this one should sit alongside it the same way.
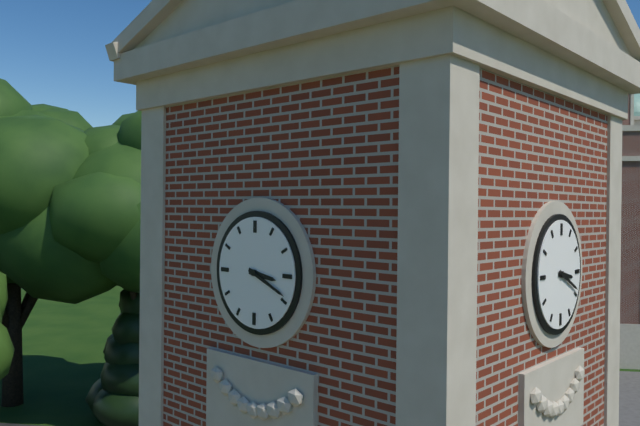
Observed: 3:19
